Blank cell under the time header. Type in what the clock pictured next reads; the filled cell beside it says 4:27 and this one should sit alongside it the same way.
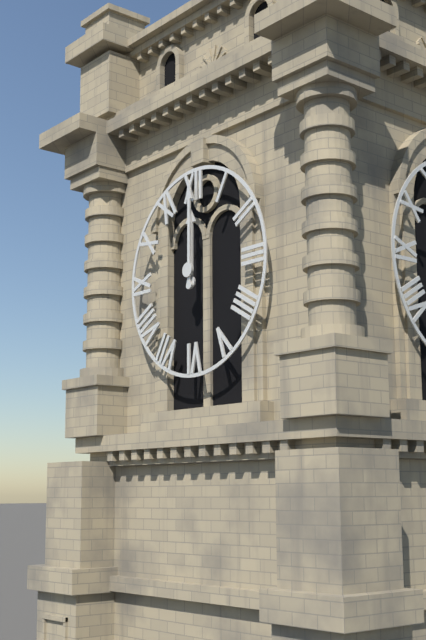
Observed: 12:00
